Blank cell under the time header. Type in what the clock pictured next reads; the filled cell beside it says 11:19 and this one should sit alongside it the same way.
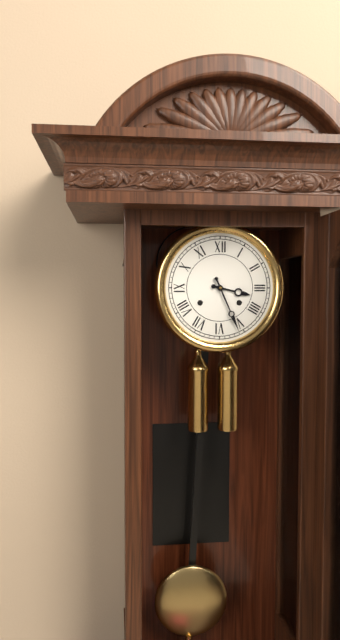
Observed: 3:26
